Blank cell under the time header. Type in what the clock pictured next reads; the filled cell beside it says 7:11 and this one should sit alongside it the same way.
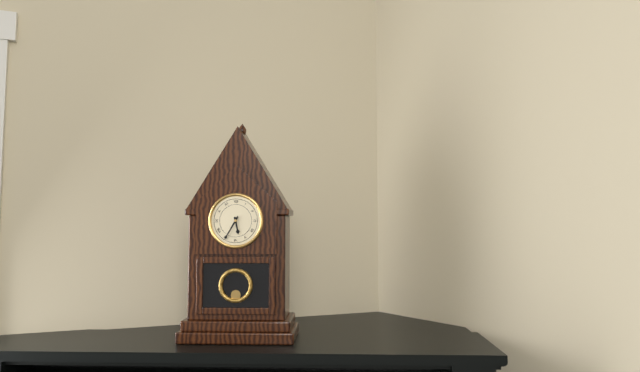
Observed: 5:35
